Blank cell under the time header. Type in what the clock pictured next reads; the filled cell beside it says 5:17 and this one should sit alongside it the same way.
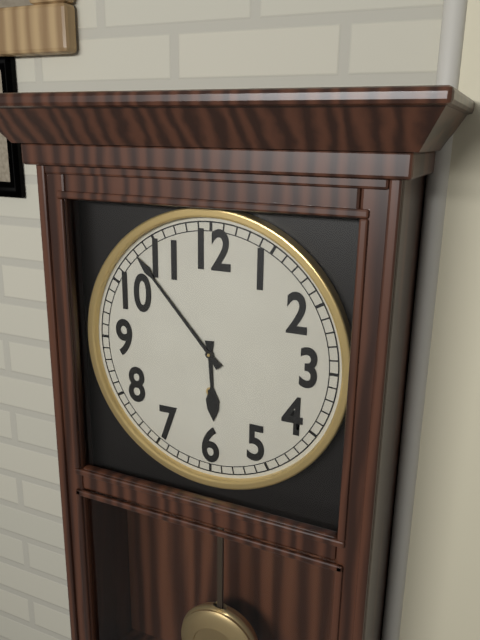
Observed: 5:53
